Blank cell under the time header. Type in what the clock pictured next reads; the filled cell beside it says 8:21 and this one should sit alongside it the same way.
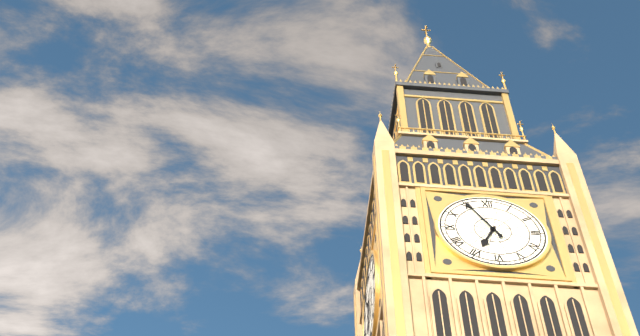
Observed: 6:55
